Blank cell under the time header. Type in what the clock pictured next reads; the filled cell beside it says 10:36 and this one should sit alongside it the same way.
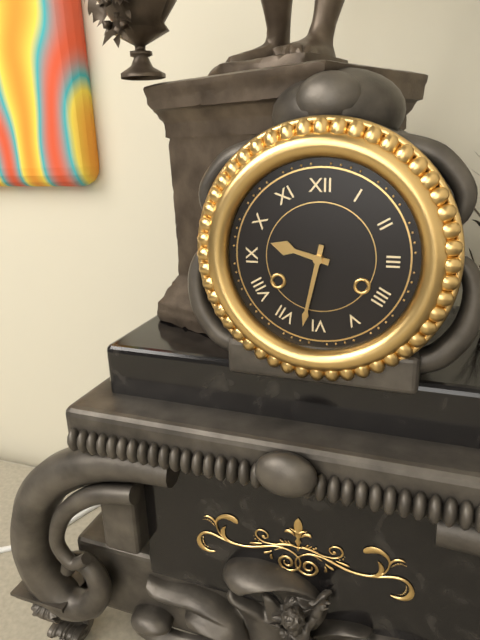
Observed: 9:32
